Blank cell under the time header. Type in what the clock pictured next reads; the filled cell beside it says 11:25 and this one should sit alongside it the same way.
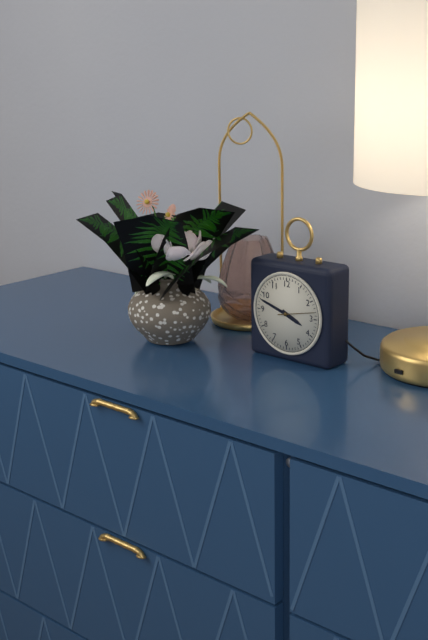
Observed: 3:48
